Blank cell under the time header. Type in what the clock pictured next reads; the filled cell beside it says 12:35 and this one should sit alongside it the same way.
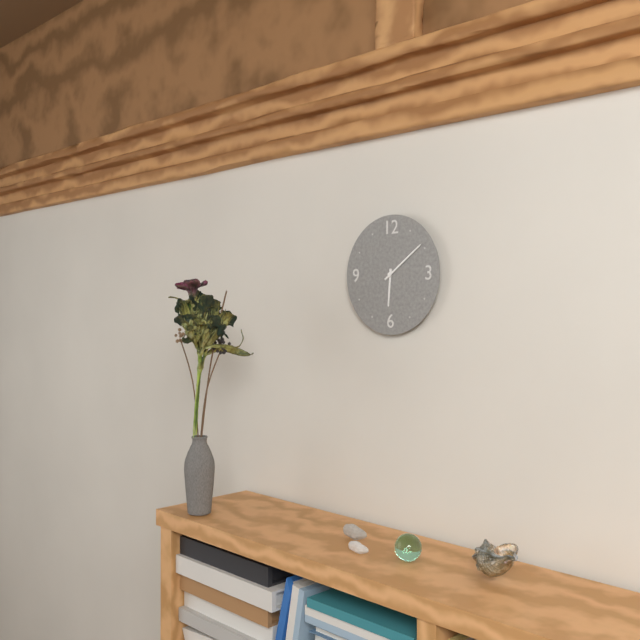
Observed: 6:09
